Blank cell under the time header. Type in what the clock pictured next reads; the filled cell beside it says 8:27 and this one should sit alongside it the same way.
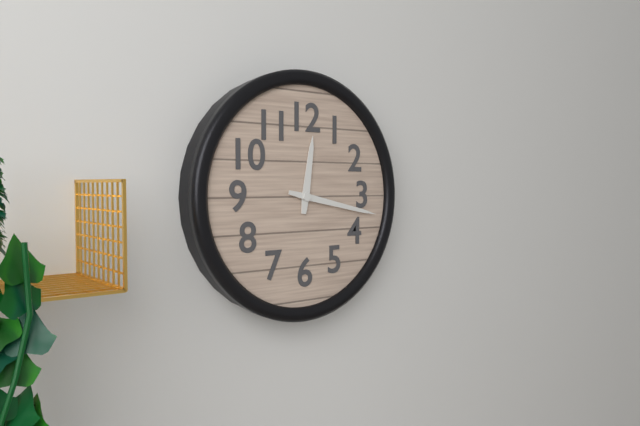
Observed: 12:17
